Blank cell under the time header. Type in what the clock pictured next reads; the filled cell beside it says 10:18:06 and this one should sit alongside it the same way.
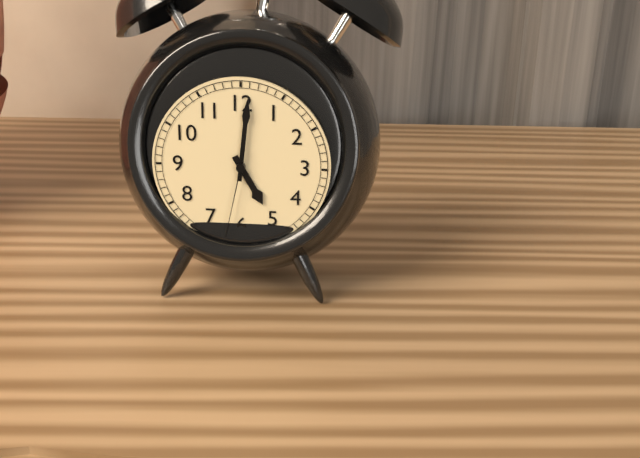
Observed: 5:01:32
